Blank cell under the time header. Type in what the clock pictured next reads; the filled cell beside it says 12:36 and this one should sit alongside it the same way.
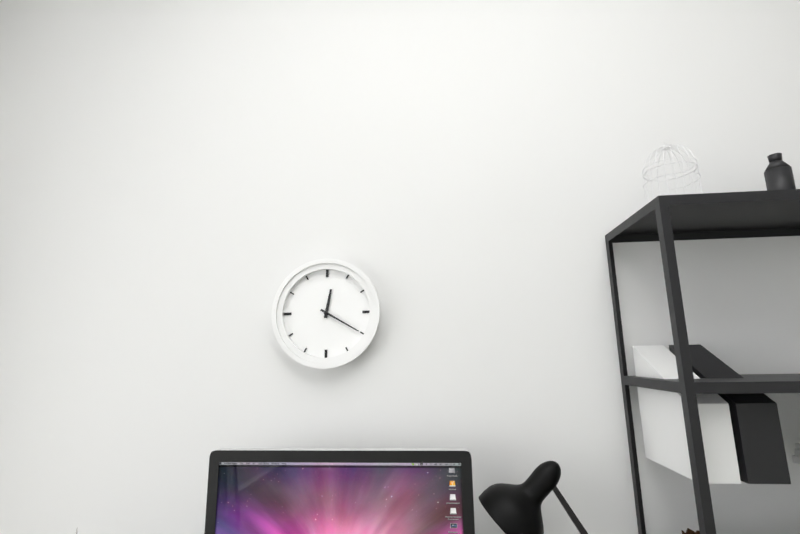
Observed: 12:20
